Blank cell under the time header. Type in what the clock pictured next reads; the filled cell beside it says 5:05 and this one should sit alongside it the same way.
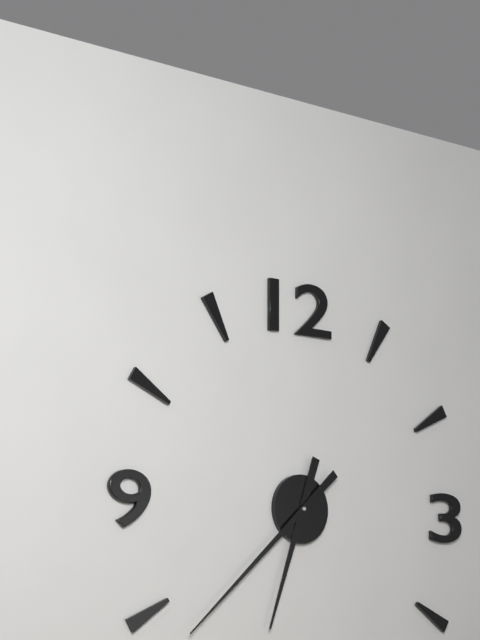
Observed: 6:38
